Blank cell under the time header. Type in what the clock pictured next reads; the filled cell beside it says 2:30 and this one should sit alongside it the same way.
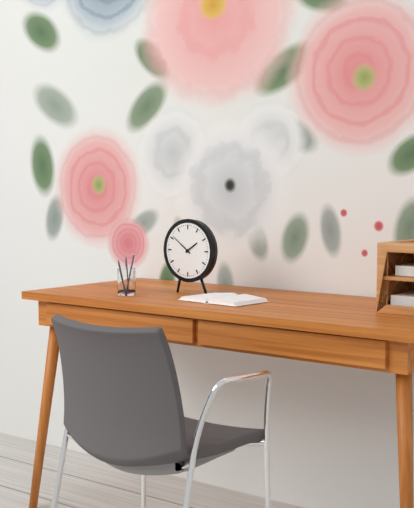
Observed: 1:51
